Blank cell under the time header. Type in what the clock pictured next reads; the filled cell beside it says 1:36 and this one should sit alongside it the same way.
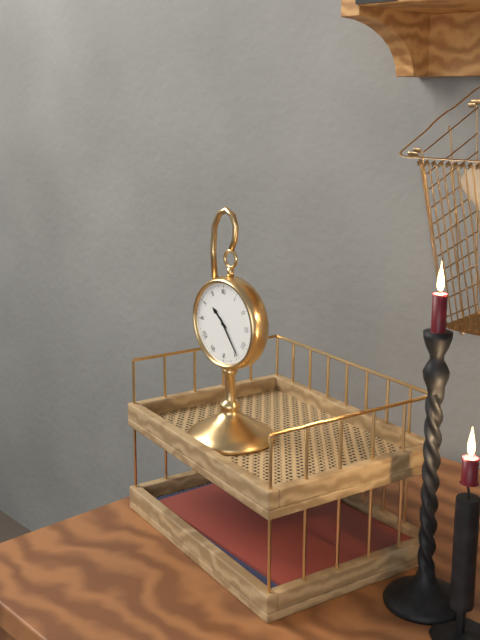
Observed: 10:24
